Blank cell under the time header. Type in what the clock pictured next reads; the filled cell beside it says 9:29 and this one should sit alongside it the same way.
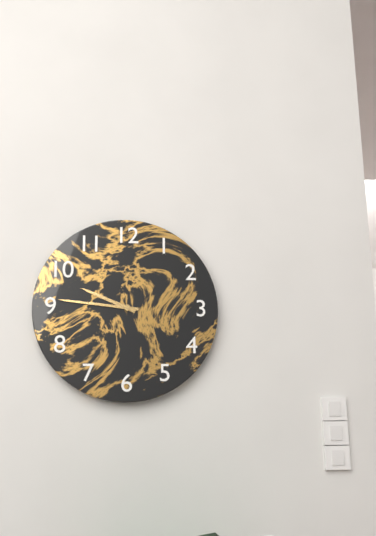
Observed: 9:46
